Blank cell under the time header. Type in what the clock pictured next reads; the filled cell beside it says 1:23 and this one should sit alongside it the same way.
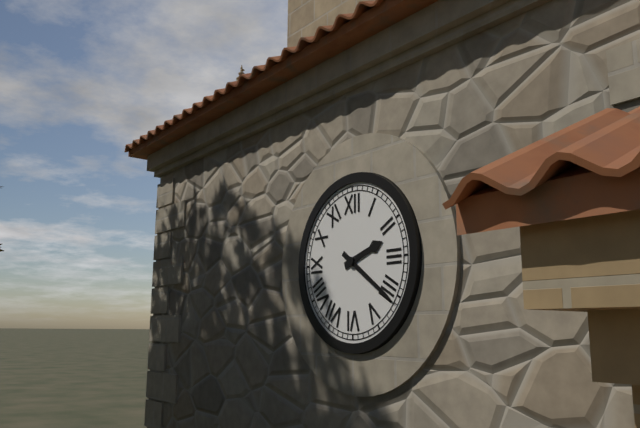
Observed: 2:21
